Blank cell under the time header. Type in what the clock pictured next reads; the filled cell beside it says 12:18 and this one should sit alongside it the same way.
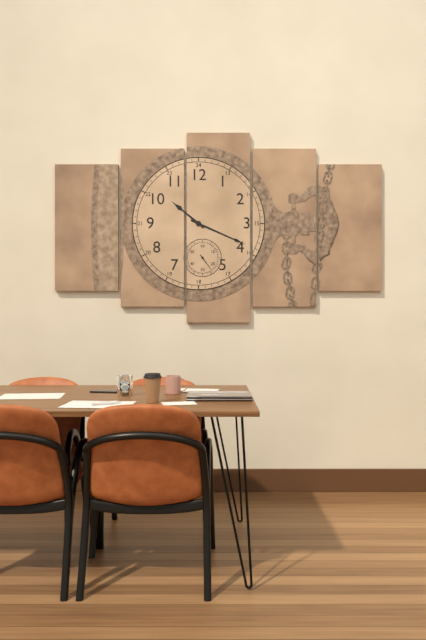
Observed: 10:19
